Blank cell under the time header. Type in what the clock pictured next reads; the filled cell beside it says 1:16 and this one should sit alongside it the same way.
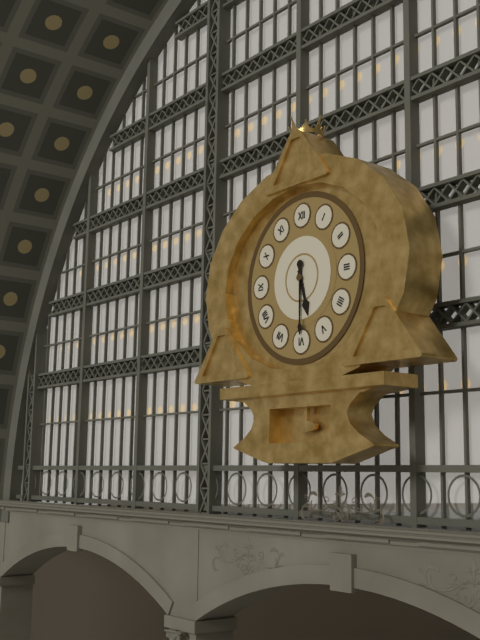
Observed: 5:30
